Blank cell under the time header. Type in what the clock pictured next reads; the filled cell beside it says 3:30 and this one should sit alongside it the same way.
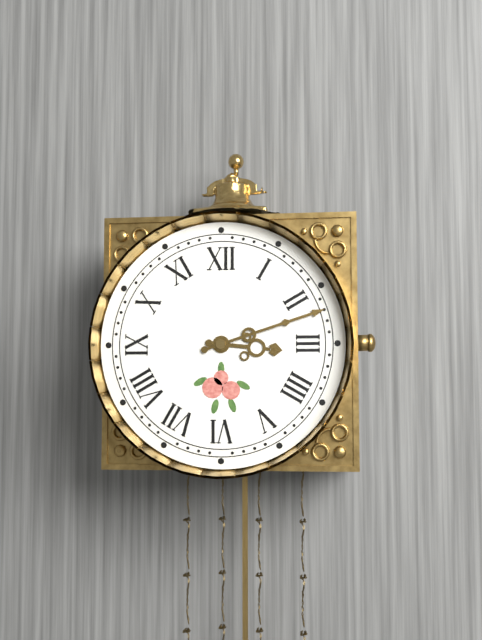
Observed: 3:12
